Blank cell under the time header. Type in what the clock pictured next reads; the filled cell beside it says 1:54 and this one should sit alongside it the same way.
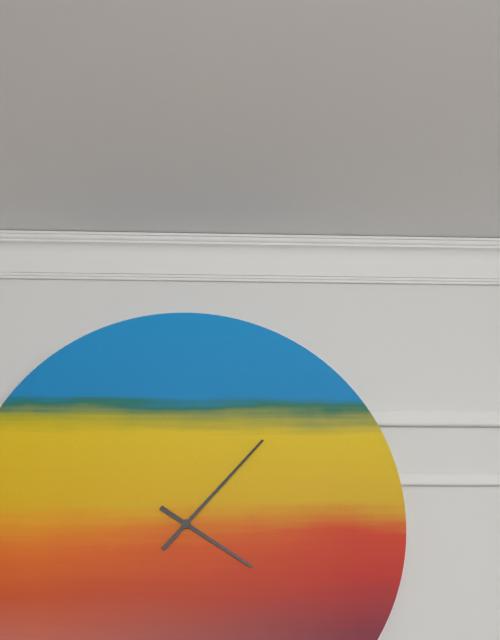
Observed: 4:07
